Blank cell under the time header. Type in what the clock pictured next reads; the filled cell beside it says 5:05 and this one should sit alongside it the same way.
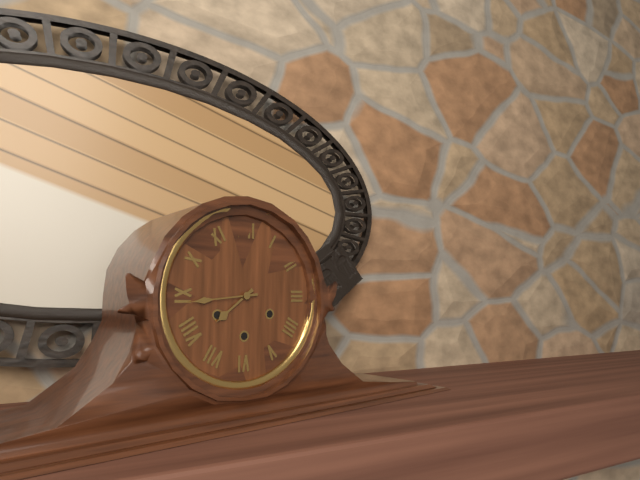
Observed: 7:44
